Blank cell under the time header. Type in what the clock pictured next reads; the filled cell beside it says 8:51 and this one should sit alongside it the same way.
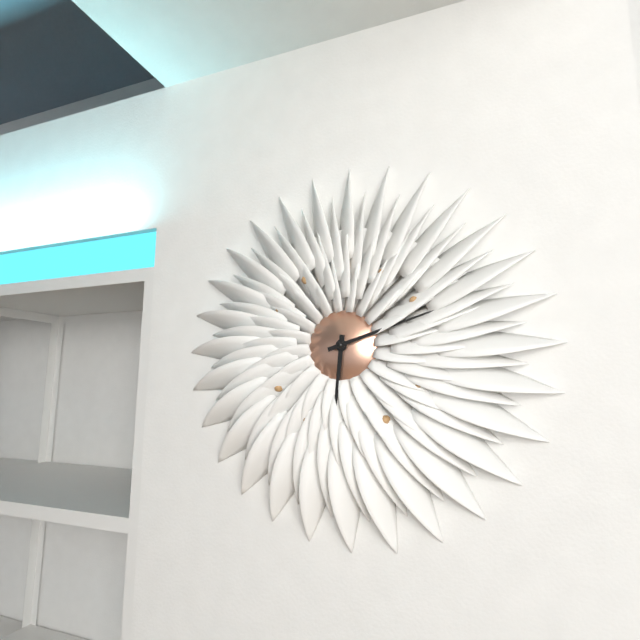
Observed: 6:12
